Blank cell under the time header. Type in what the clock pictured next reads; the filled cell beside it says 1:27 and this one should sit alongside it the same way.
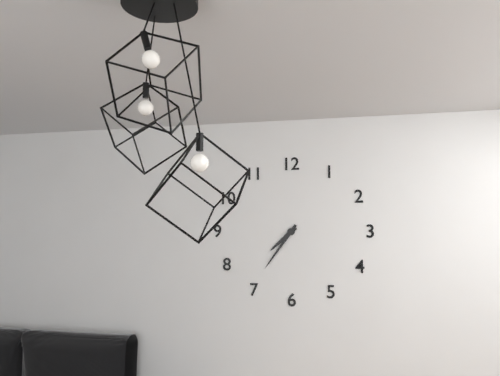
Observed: 7:36
